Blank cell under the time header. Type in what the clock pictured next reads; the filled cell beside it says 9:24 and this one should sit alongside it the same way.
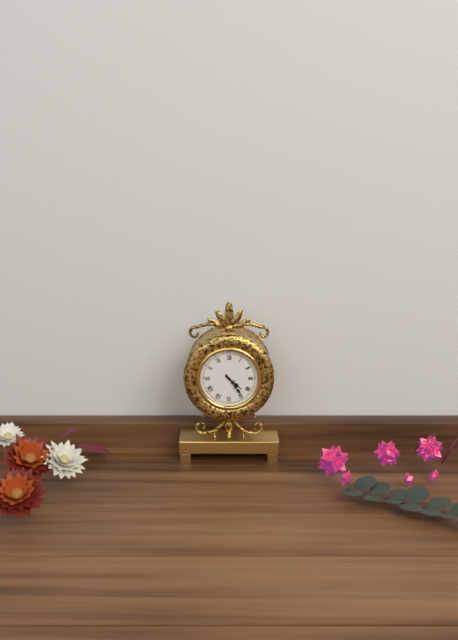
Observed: 4:24
